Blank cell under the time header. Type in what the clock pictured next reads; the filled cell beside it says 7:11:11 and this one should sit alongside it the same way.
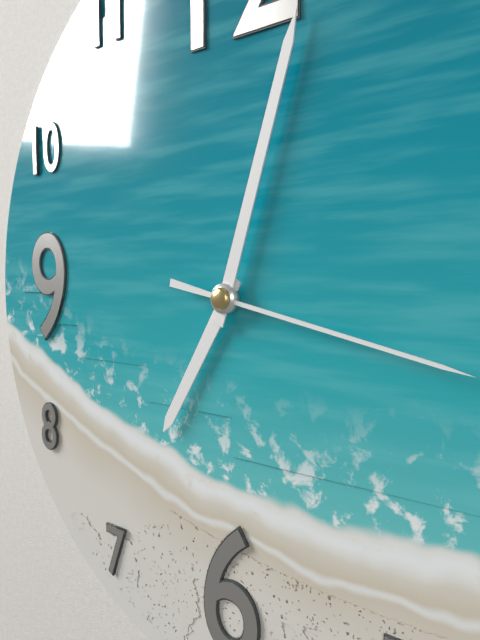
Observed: 7:03:17
